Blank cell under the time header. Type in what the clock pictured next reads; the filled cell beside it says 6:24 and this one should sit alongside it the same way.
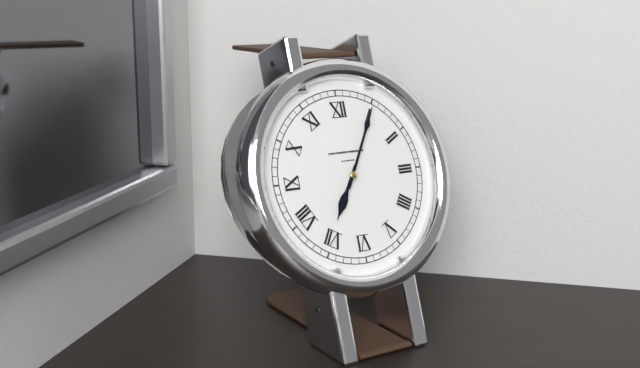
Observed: 7:05
